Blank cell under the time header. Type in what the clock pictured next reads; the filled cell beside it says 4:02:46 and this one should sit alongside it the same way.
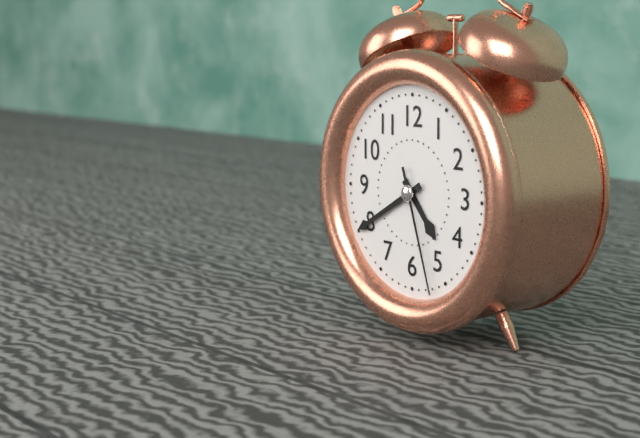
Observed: 4:40:27
